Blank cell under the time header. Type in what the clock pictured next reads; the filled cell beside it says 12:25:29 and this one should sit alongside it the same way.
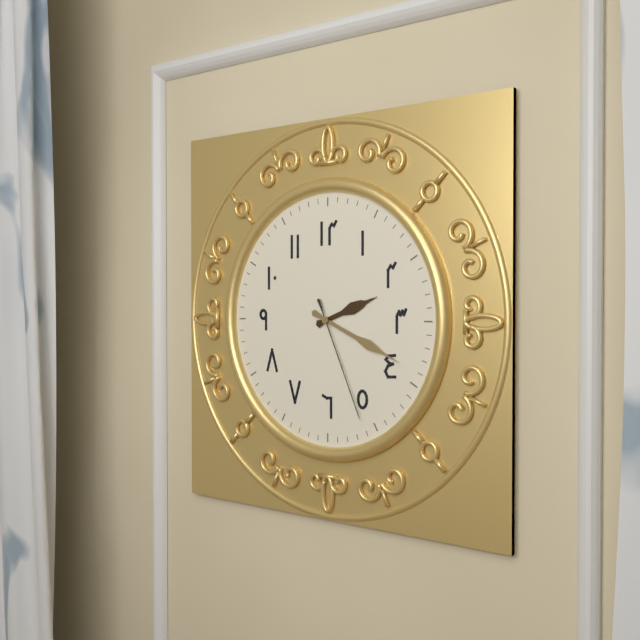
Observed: 2:19:26
